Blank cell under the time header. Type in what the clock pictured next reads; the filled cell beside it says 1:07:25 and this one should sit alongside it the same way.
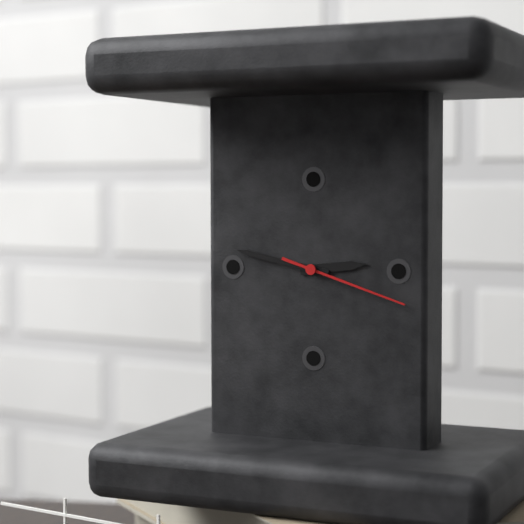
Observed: 2:47:18
